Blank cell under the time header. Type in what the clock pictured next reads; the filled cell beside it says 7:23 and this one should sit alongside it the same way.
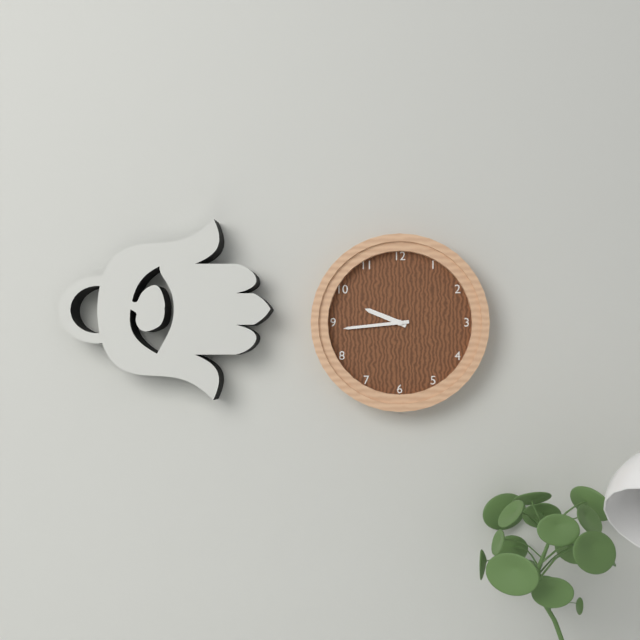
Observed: 9:44
